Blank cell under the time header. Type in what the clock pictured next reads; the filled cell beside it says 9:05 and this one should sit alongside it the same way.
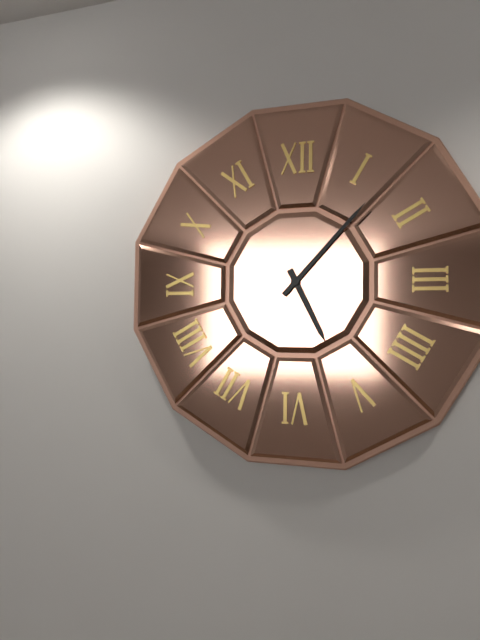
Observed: 5:07
